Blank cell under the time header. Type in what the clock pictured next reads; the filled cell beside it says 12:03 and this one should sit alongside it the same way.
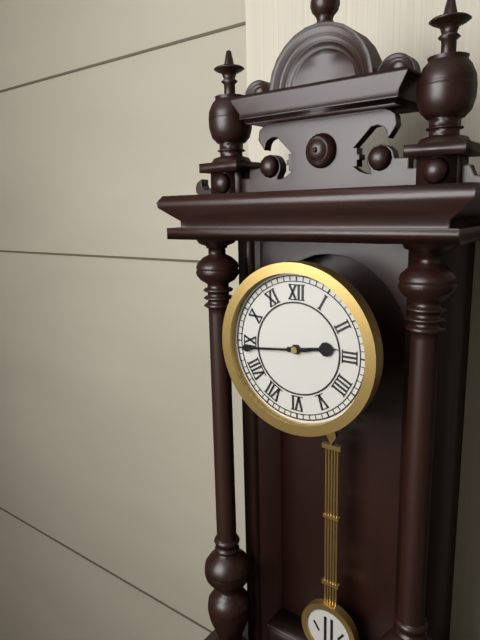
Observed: 2:44
